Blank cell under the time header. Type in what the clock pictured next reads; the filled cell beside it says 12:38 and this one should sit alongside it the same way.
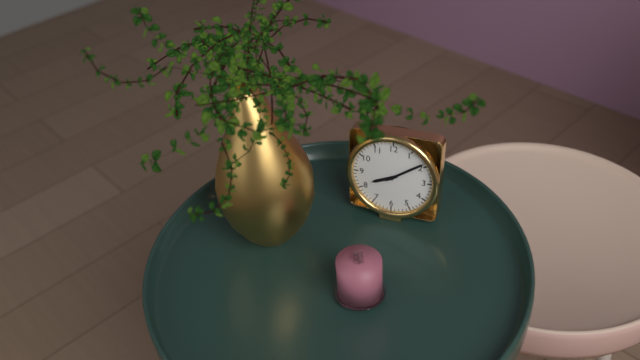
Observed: 8:09
